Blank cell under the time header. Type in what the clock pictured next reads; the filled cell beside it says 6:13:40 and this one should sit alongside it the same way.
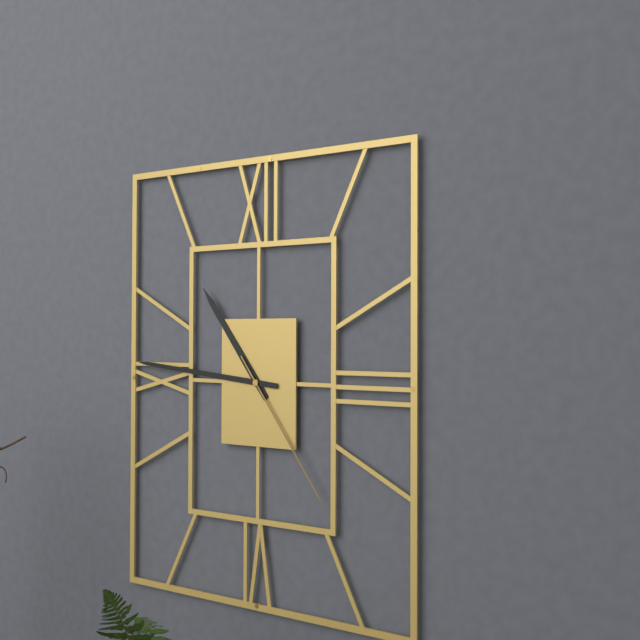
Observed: 10:46:24
